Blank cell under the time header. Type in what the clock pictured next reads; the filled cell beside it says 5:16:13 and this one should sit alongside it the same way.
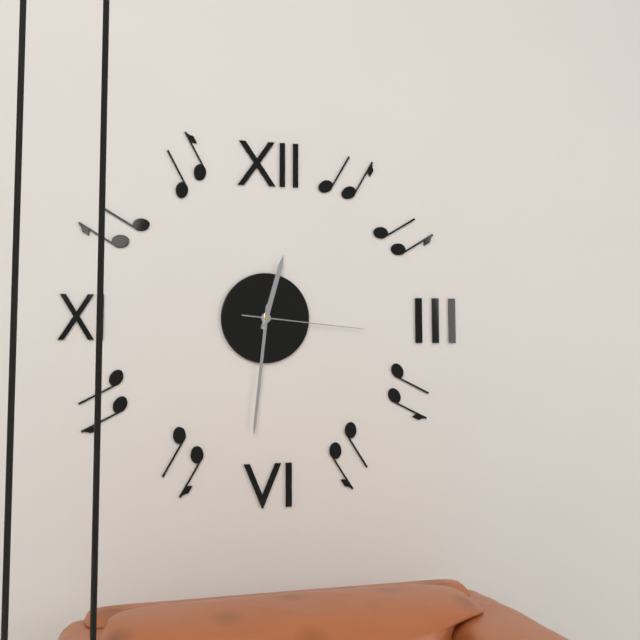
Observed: 12:31:16
